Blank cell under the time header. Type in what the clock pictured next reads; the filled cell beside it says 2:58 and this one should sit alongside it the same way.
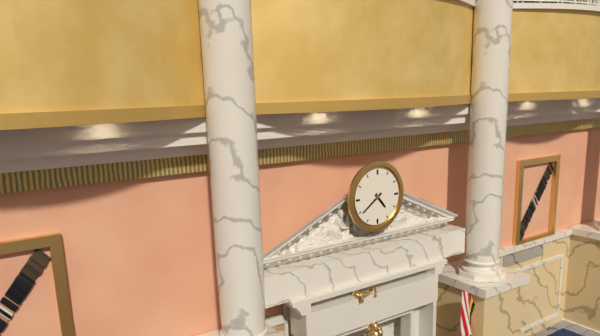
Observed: 4:39
